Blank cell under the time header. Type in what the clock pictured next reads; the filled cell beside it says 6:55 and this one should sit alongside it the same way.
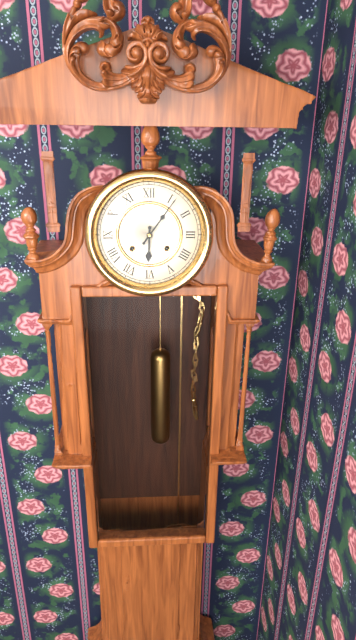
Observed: 6:06
